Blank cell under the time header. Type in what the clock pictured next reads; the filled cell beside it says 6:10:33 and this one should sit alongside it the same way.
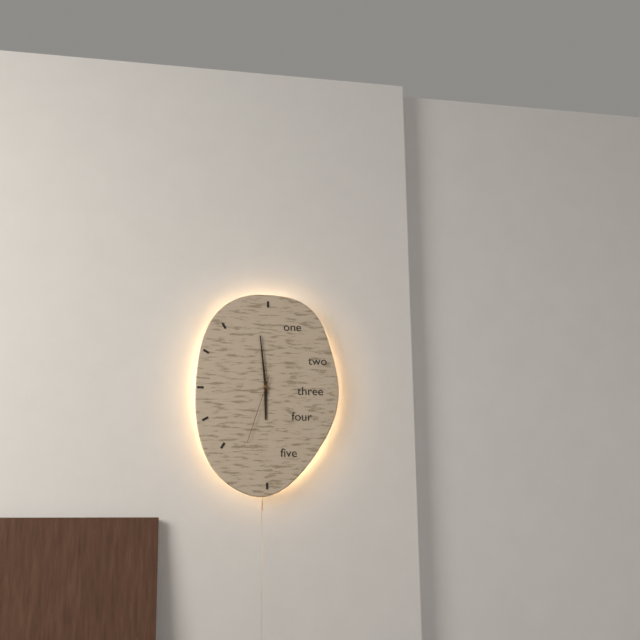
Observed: 5:59:33
